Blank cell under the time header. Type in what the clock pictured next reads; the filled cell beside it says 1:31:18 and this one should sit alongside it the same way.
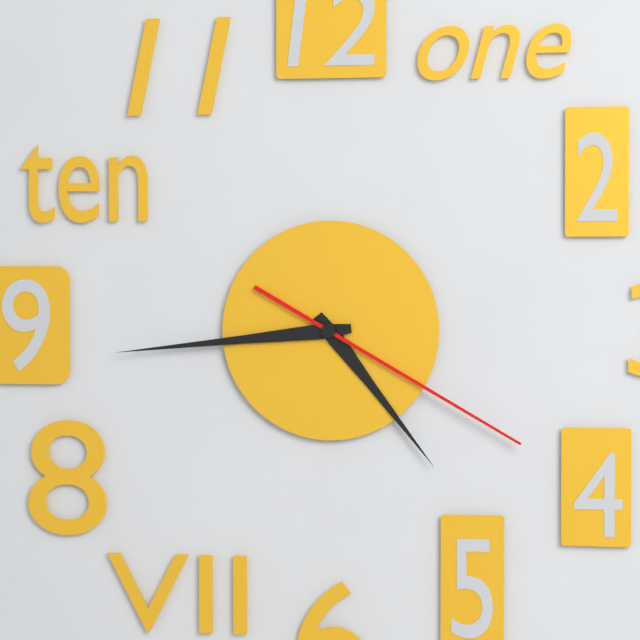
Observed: 4:44:20
